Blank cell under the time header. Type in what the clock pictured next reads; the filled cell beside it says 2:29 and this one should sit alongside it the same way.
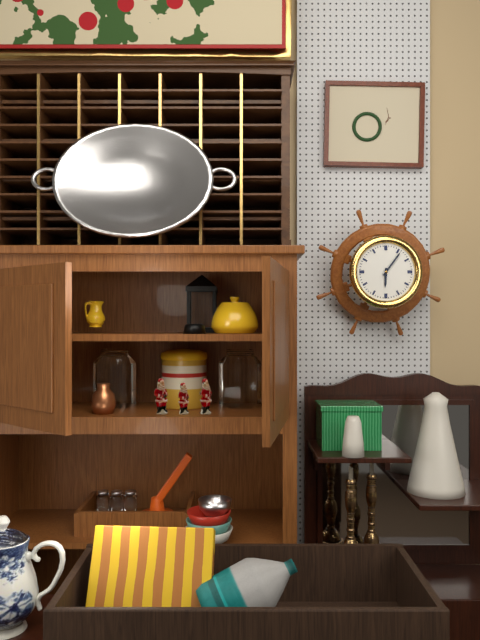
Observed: 6:06
